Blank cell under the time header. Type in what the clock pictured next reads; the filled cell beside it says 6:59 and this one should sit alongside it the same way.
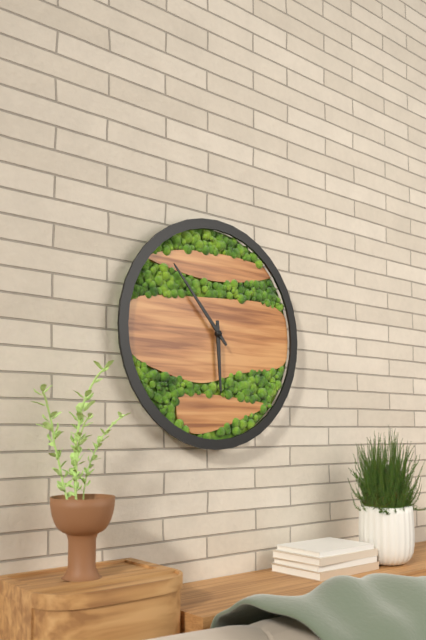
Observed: 5:53
